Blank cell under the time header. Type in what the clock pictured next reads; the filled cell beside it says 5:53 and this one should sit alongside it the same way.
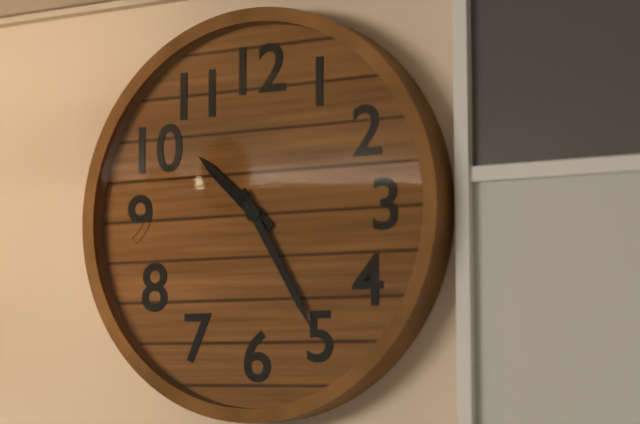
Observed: 10:25
